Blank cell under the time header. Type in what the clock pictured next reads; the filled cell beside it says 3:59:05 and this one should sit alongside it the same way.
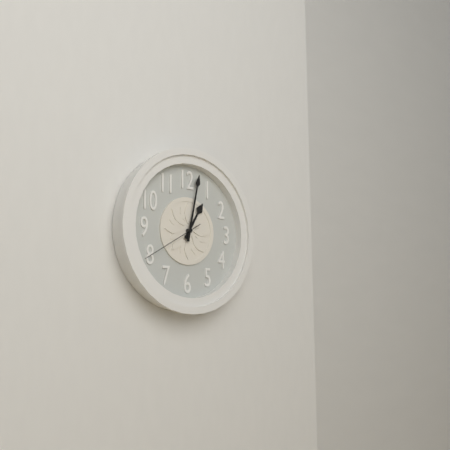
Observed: 1:02:40
